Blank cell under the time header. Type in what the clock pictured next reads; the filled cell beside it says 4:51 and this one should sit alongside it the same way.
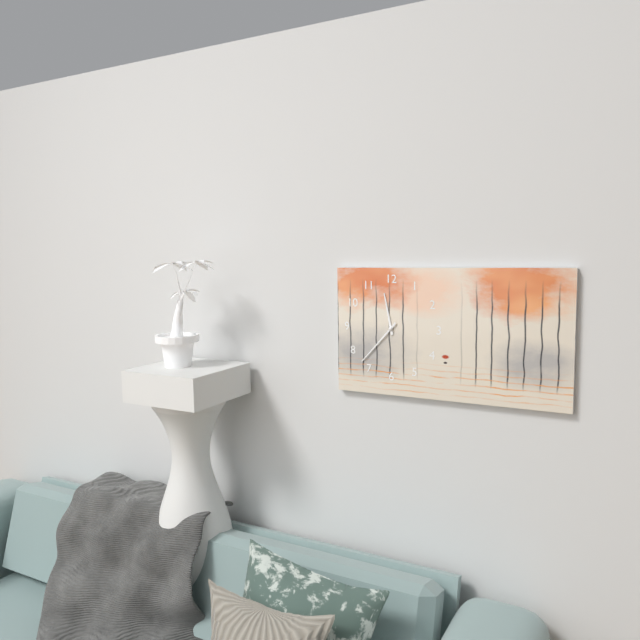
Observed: 11:37
